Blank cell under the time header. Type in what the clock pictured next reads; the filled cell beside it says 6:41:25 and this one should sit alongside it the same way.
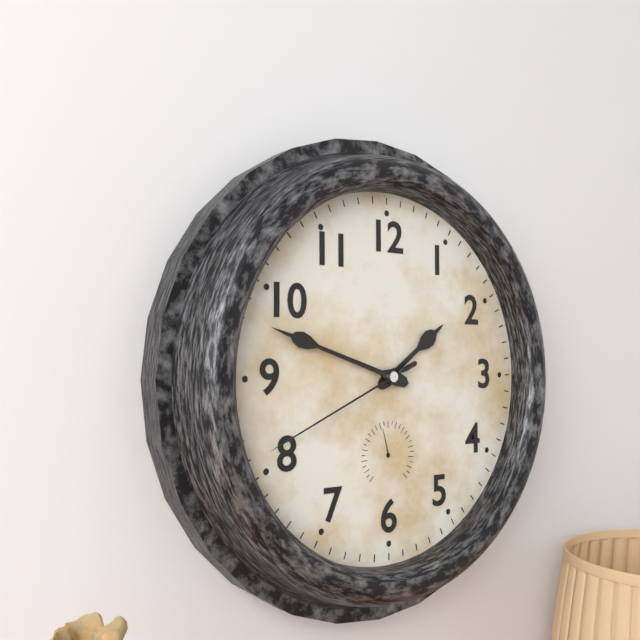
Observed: 1:48:41
